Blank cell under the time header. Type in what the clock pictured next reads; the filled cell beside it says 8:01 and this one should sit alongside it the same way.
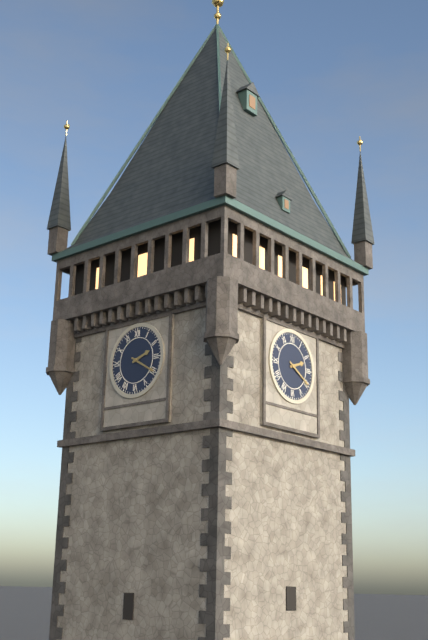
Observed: 2:20
